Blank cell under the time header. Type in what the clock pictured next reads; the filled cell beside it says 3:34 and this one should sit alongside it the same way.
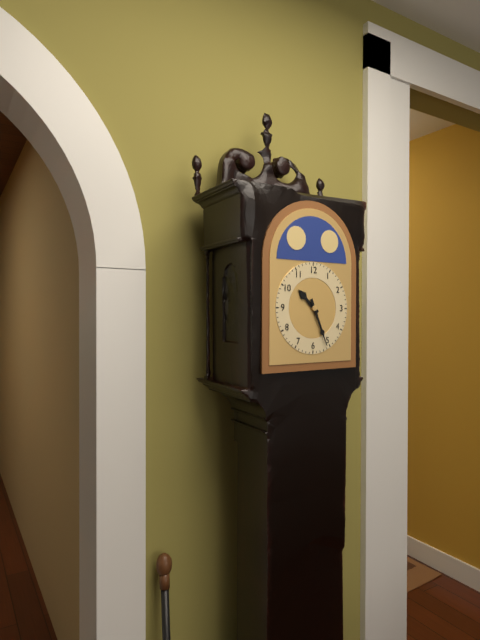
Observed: 10:26
